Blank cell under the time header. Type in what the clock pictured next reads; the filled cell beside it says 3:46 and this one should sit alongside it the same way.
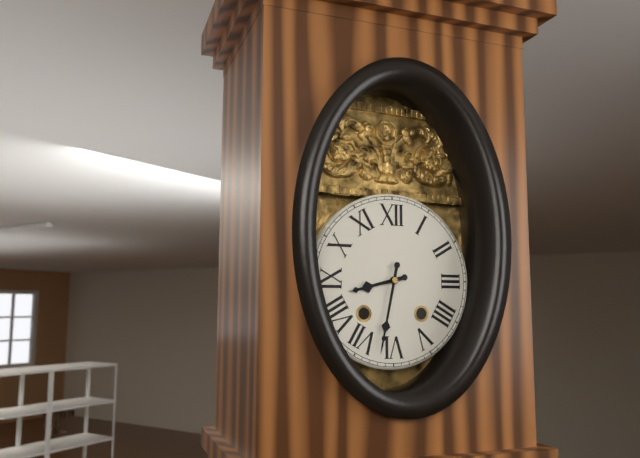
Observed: 8:32
